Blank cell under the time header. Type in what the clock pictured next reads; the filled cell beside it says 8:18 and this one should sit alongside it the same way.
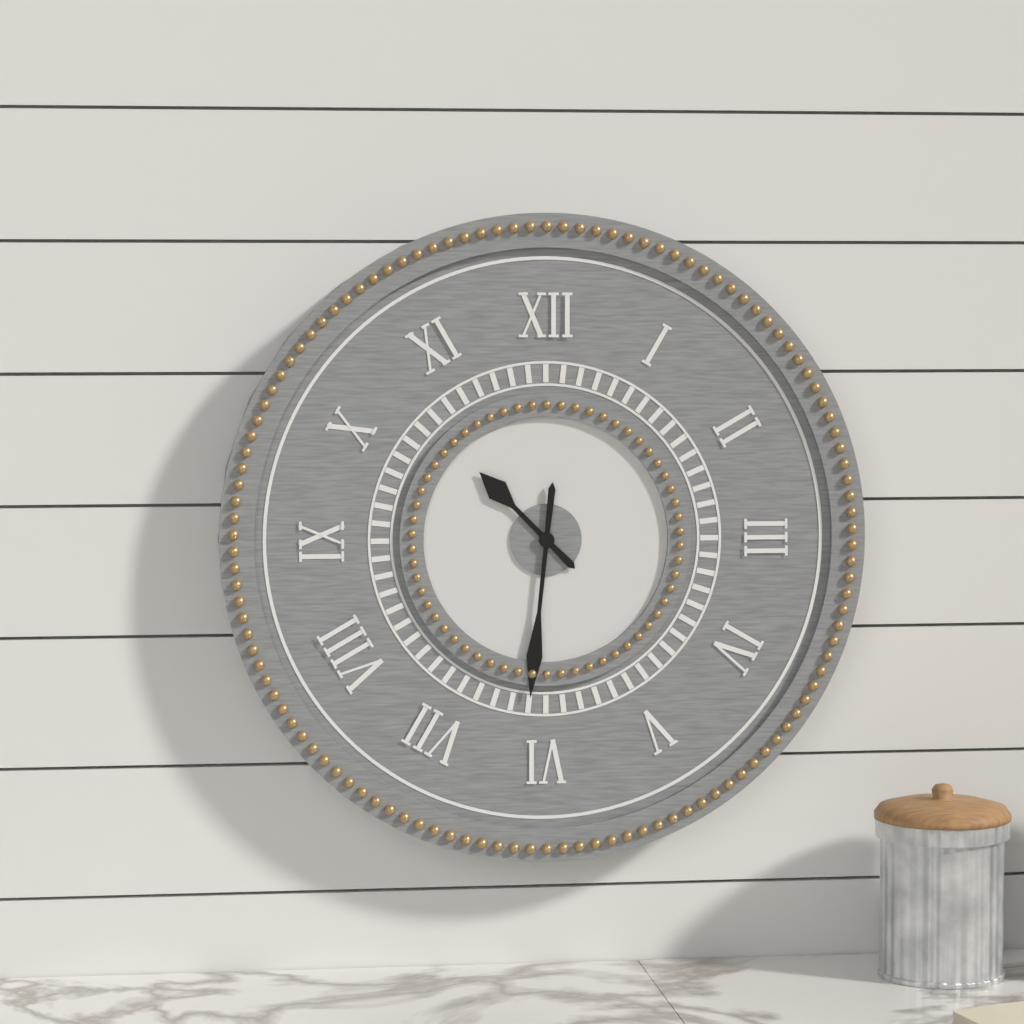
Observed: 10:31
